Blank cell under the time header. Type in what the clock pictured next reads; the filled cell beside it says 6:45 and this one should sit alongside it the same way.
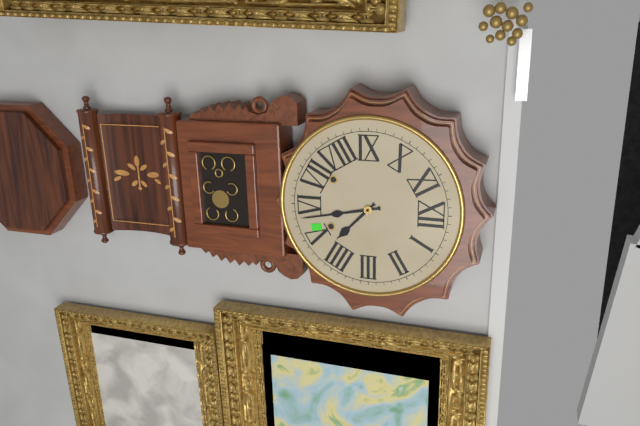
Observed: 4:28
